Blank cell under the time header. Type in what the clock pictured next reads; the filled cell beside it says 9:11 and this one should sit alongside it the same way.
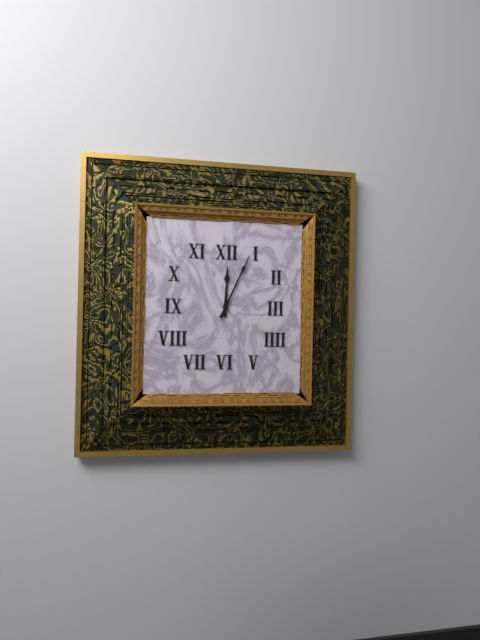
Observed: 12:04
